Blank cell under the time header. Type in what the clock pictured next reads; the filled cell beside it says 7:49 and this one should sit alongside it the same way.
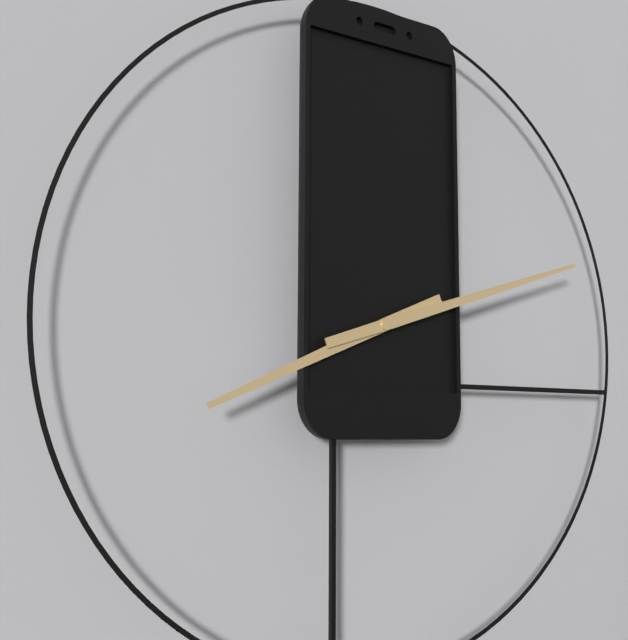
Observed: 8:12
